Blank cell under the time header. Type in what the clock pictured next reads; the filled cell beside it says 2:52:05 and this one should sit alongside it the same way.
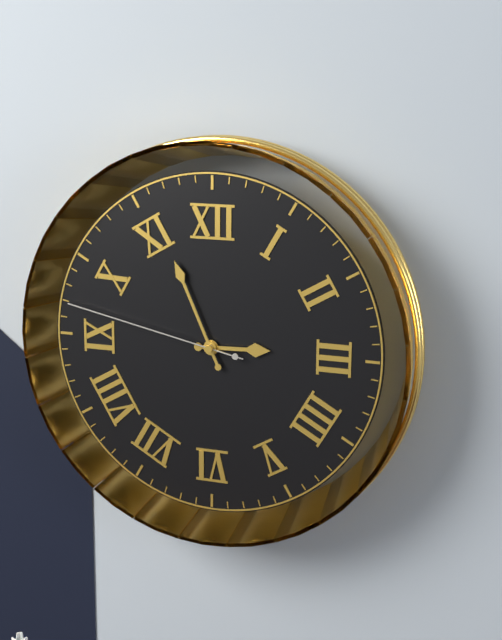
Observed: 2:56:47
